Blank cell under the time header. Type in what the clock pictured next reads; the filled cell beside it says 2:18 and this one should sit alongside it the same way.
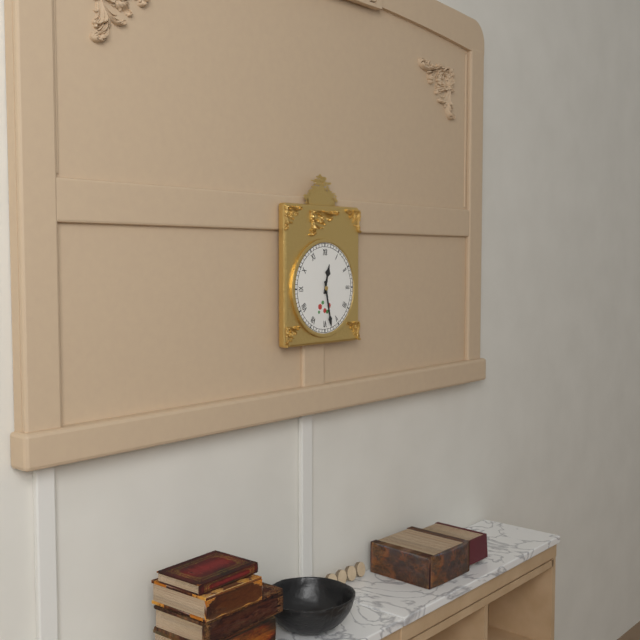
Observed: 12:28
